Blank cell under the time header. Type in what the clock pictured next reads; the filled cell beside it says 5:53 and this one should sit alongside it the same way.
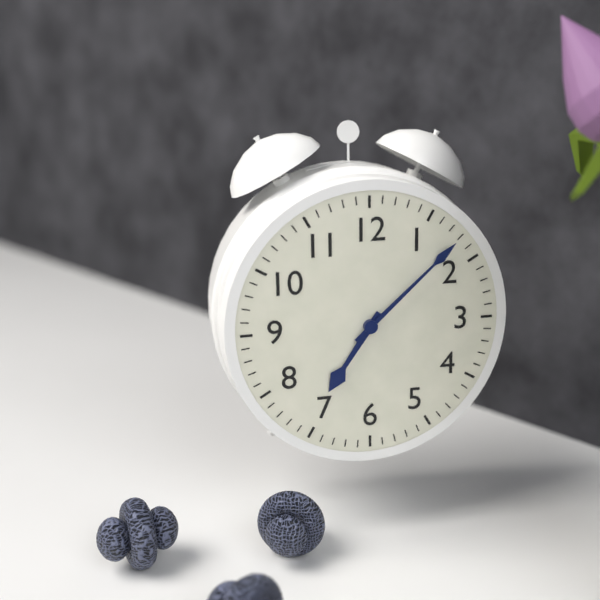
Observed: 7:08
